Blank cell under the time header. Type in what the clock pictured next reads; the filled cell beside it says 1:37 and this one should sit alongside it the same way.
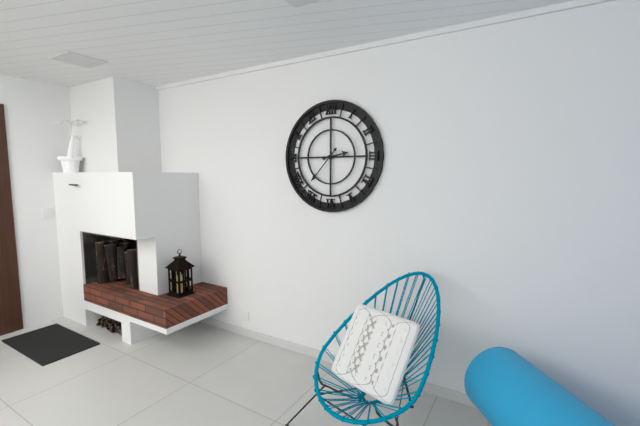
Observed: 2:37
